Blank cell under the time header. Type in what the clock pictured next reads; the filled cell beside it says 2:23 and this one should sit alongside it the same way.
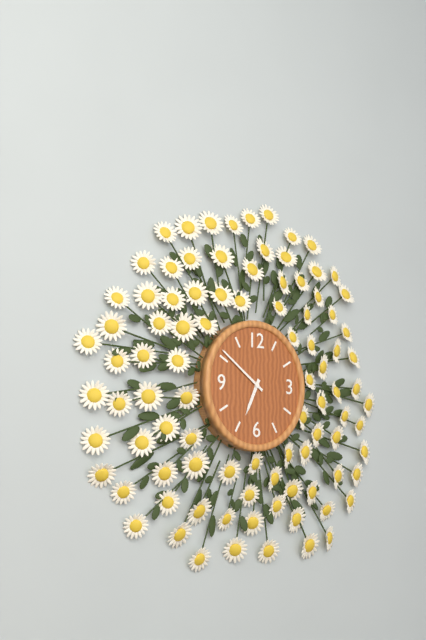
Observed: 6:51
